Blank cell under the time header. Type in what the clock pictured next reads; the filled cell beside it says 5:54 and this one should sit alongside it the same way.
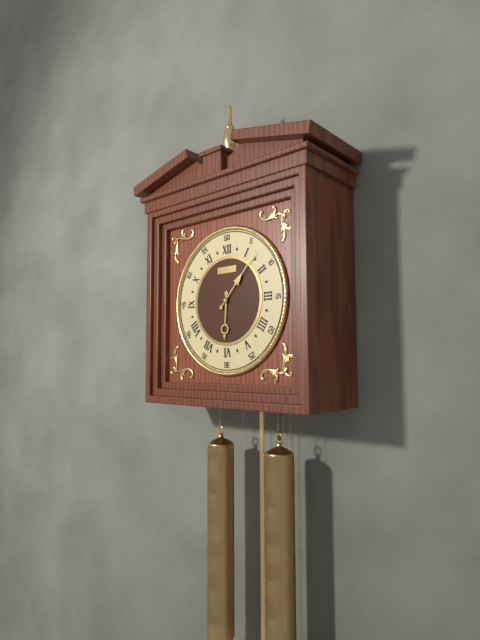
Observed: 6:07
